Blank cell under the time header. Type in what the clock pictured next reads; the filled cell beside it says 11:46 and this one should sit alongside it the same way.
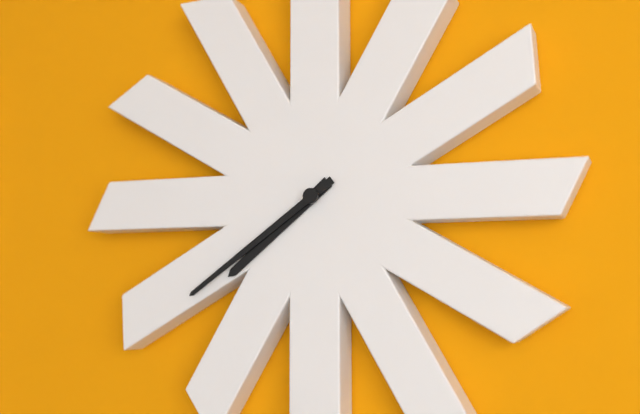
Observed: 7:39
